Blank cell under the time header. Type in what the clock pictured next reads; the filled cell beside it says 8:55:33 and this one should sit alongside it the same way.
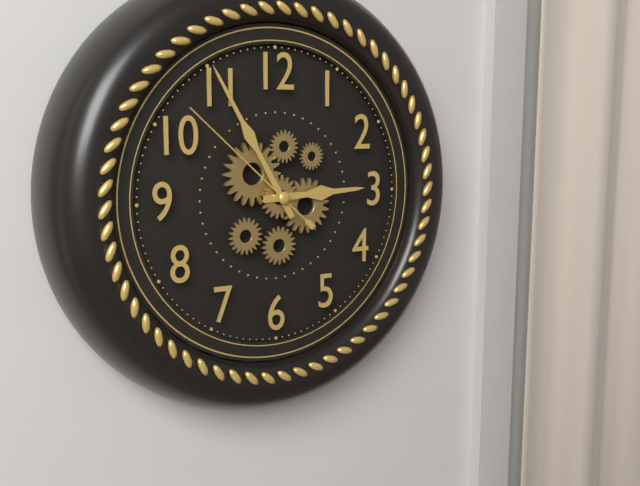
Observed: 2:55:52
